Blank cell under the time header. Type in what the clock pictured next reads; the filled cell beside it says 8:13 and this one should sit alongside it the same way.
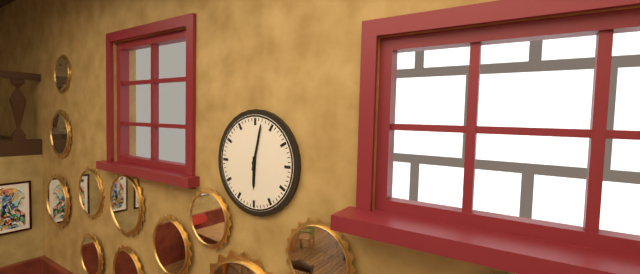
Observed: 6:02
